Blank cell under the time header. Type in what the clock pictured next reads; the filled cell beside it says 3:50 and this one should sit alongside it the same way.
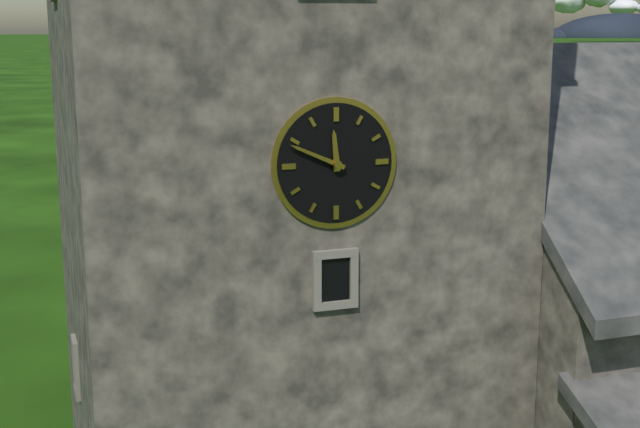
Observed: 11:49
